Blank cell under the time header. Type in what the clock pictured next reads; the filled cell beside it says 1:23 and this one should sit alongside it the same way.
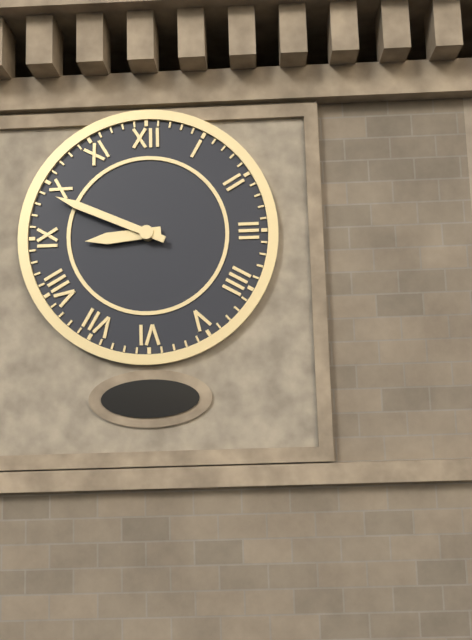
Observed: 8:49
